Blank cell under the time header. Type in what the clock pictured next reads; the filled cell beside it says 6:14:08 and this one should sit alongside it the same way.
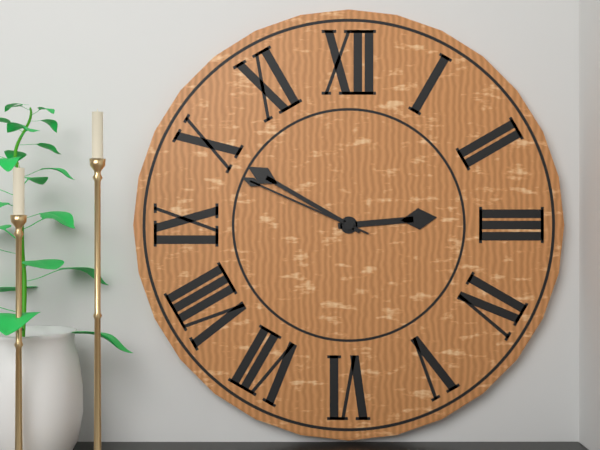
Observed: 2:50:49
